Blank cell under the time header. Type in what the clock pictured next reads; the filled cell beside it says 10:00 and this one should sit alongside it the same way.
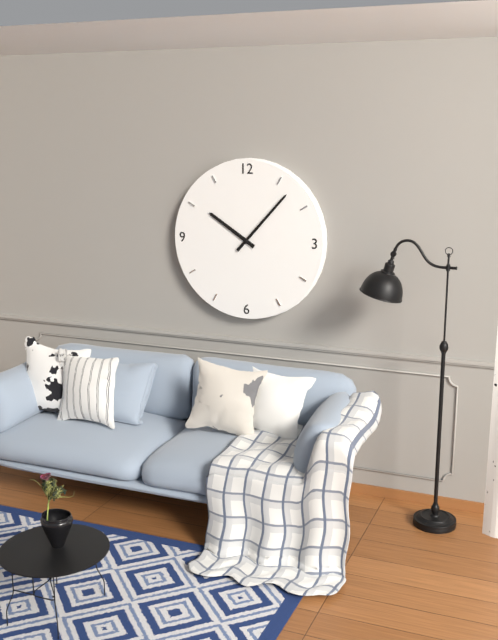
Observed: 10:07
